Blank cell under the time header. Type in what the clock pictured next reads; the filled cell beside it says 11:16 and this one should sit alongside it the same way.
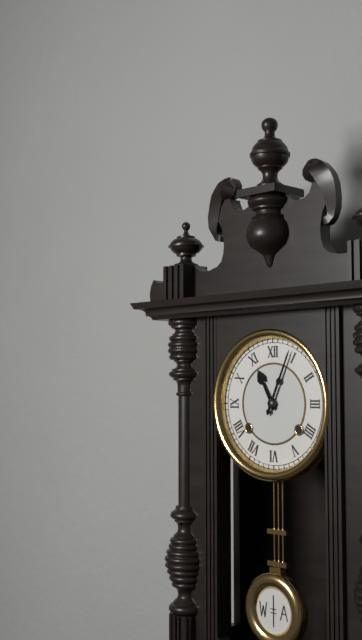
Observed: 11:04
